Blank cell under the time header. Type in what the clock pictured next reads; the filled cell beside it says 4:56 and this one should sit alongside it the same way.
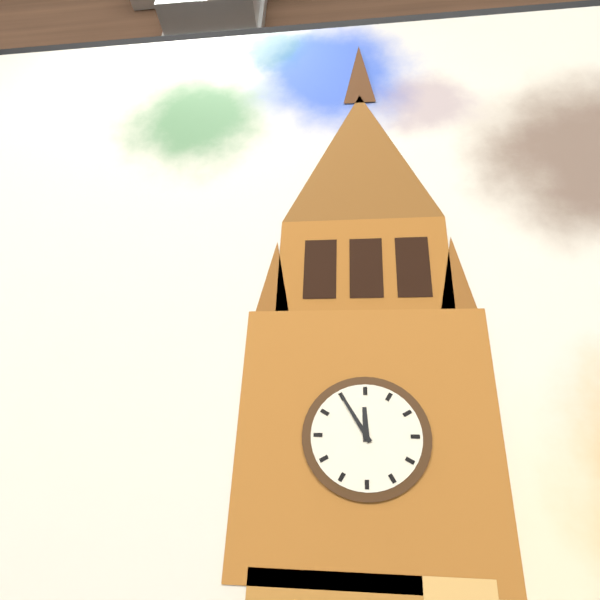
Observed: 11:55
